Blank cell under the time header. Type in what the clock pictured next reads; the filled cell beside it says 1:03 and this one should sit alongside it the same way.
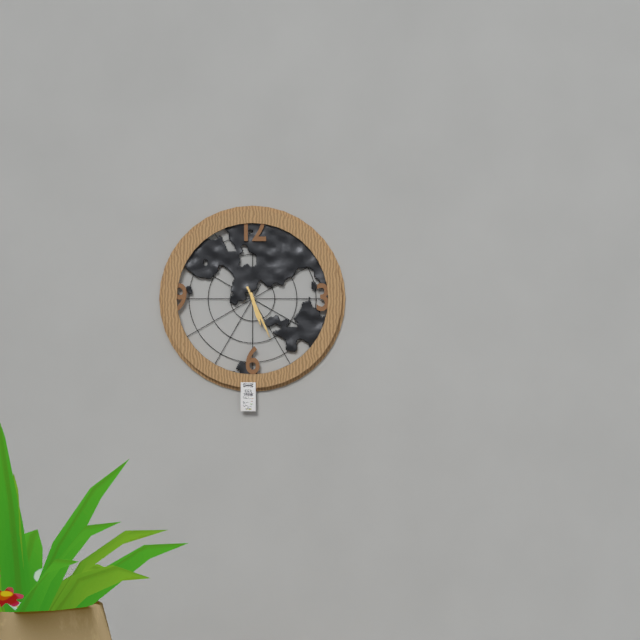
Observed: 5:26
